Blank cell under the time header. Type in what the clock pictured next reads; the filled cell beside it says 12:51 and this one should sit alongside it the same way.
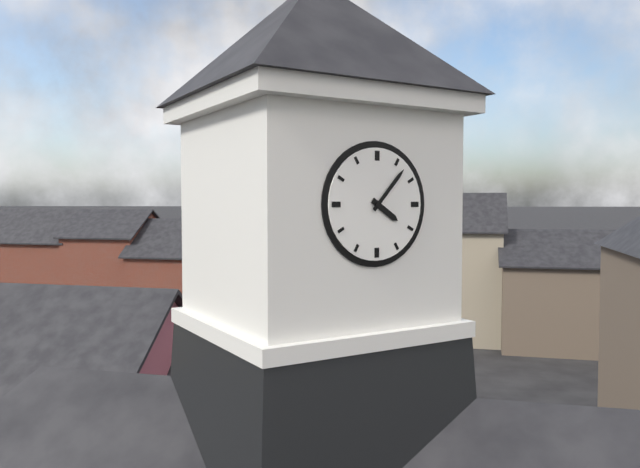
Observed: 4:07
